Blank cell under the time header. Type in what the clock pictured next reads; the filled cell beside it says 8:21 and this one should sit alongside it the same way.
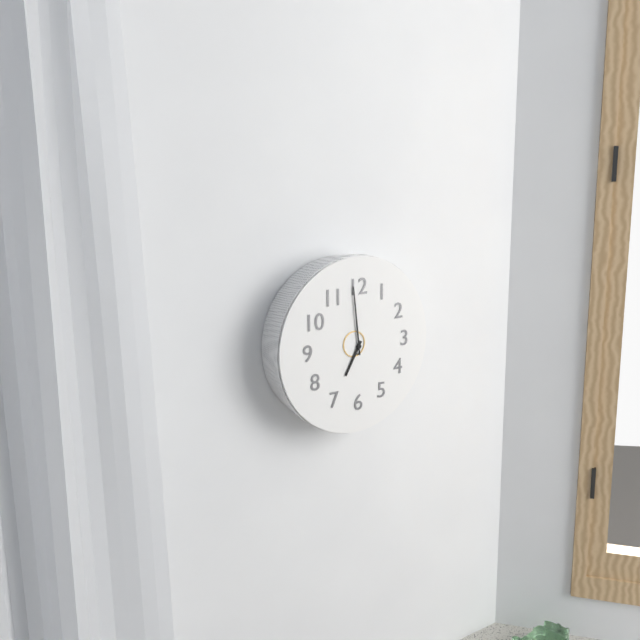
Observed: 6:59
